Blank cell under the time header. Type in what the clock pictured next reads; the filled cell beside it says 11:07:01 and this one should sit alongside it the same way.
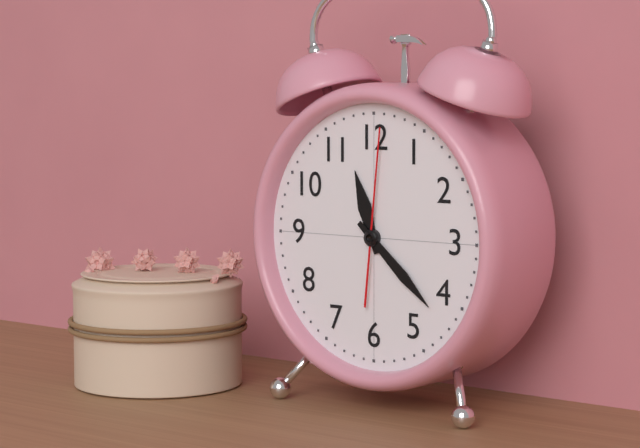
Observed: 11:22:01
